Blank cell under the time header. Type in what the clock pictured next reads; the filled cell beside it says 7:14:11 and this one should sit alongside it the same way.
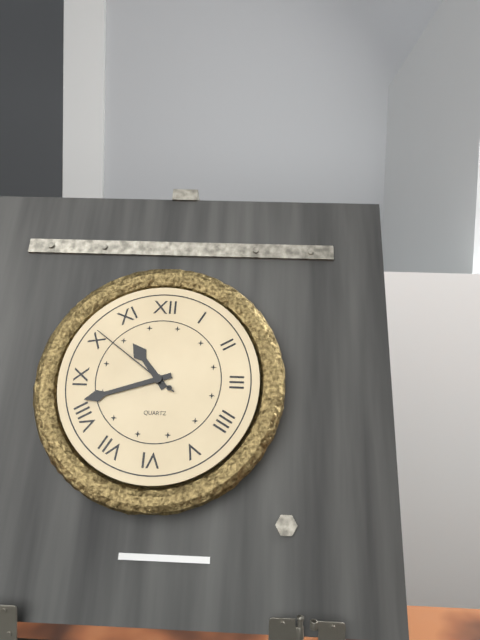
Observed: 10:42:51
